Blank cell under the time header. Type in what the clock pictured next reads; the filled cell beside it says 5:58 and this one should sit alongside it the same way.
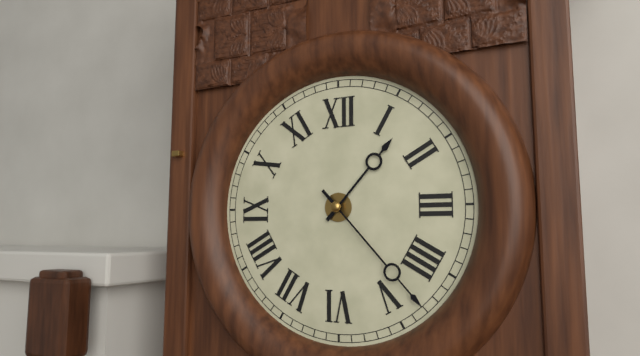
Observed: 1:23
